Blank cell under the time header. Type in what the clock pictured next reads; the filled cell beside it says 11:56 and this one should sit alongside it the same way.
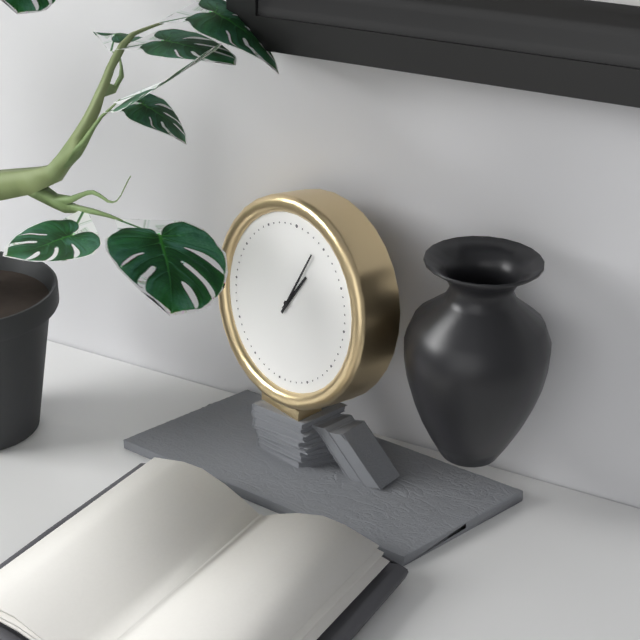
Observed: 1:04
